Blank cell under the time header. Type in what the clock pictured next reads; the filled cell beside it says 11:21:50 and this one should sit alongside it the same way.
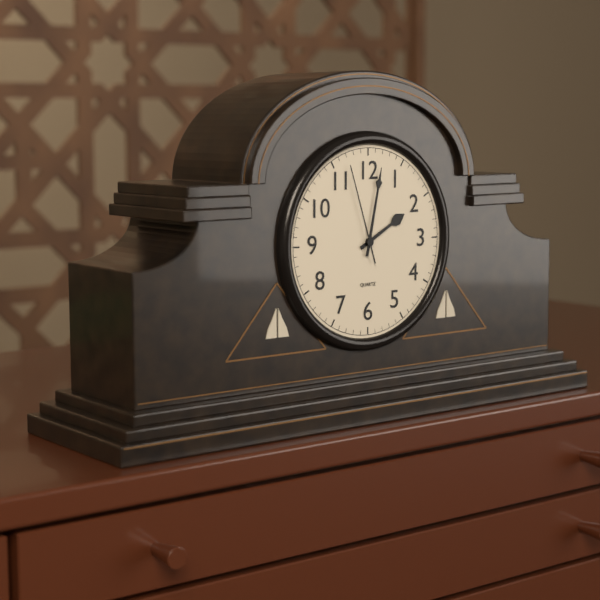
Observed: 2:02:57
